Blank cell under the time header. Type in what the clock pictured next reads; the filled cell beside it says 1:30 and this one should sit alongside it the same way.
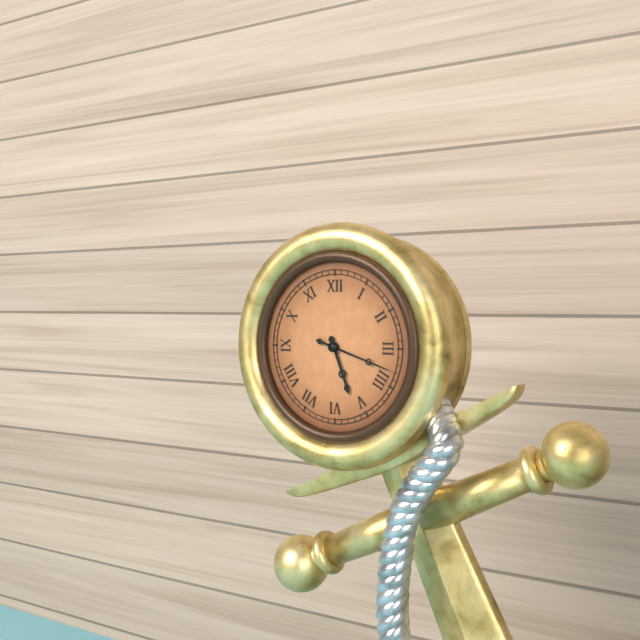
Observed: 5:18
